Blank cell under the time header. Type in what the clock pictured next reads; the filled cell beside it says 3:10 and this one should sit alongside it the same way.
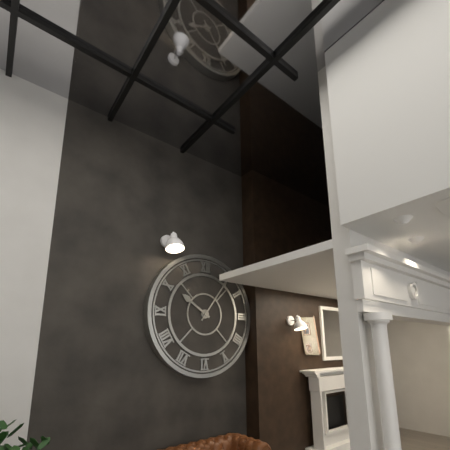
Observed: 10:06
